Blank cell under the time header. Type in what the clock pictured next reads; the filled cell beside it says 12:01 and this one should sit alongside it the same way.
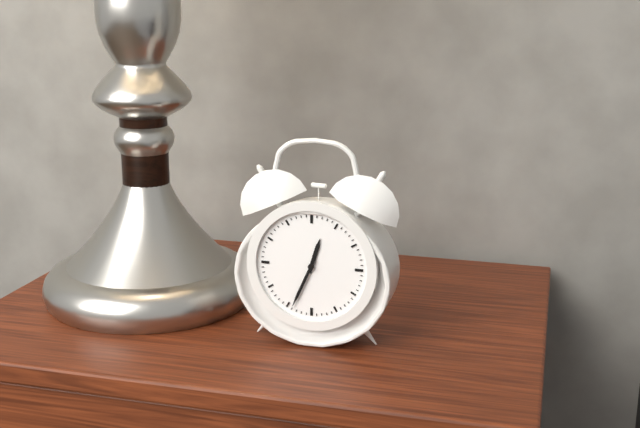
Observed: 12:34
